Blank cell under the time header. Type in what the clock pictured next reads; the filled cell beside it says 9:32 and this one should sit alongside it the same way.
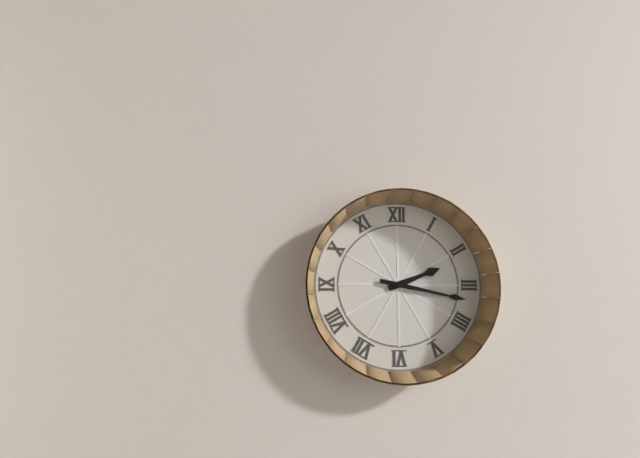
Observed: 2:17
